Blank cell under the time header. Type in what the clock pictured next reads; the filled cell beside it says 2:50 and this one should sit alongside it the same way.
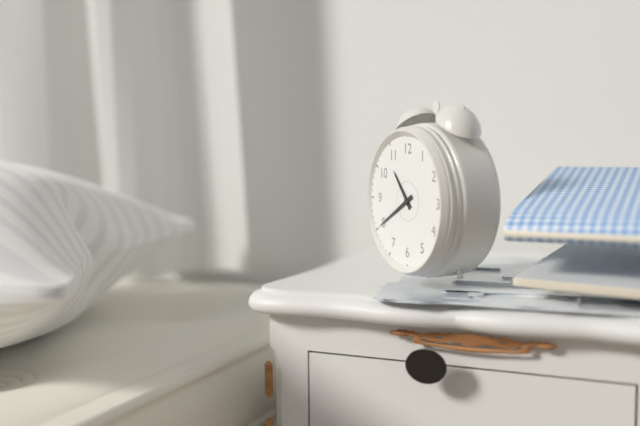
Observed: 10:40
